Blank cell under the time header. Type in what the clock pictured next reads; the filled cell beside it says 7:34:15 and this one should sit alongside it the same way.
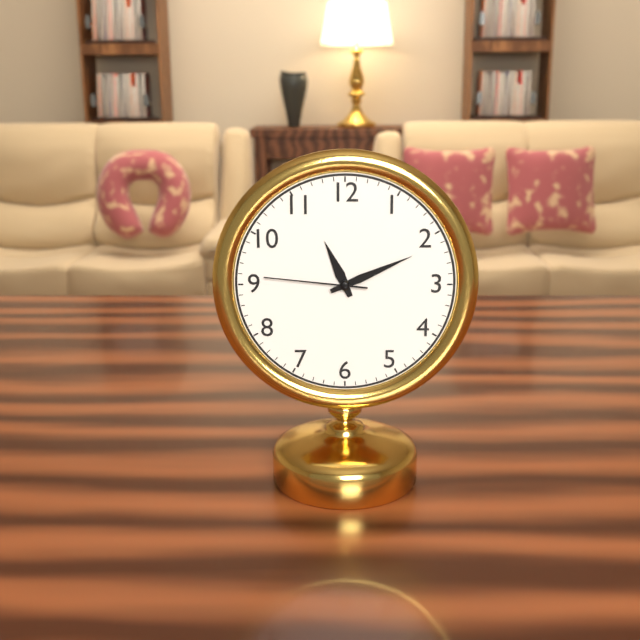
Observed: 11:11:46
